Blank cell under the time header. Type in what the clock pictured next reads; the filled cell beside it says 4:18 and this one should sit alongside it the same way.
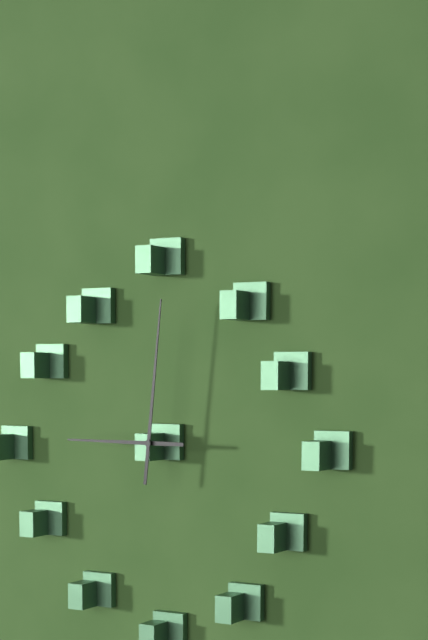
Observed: 9:01
